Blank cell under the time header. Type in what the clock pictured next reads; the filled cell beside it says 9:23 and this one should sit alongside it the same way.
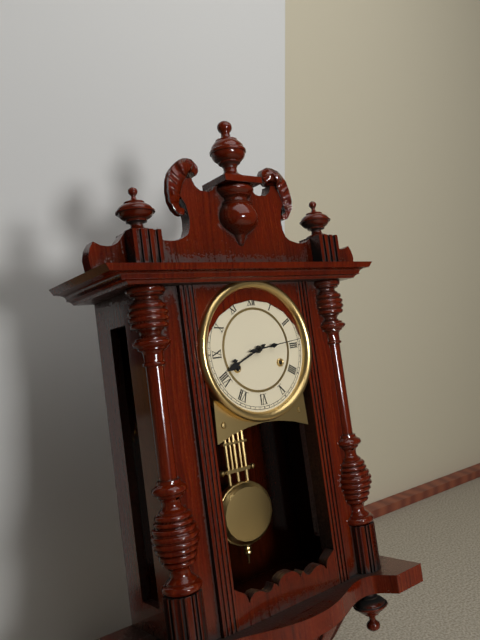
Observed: 8:14
